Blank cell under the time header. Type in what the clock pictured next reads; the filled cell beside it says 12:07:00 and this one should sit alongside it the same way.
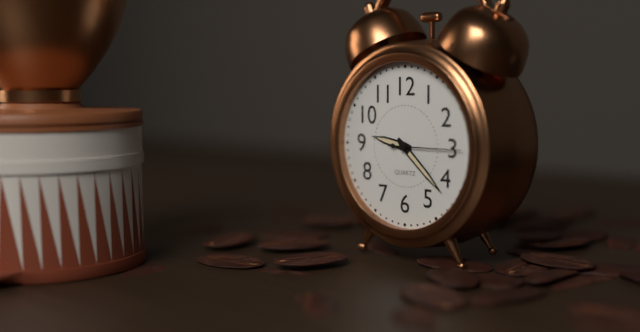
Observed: 9:22:15
